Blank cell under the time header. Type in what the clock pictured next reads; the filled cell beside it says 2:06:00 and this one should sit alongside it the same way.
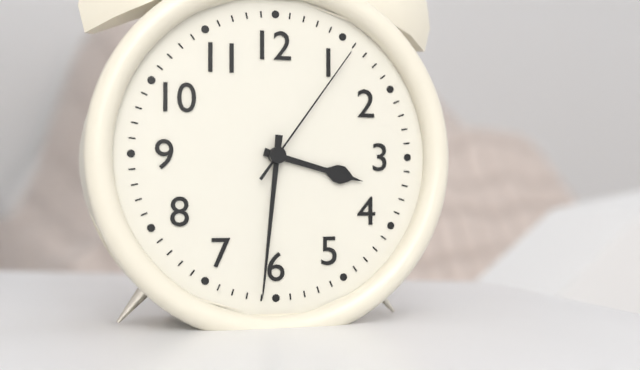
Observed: 3:31:06
